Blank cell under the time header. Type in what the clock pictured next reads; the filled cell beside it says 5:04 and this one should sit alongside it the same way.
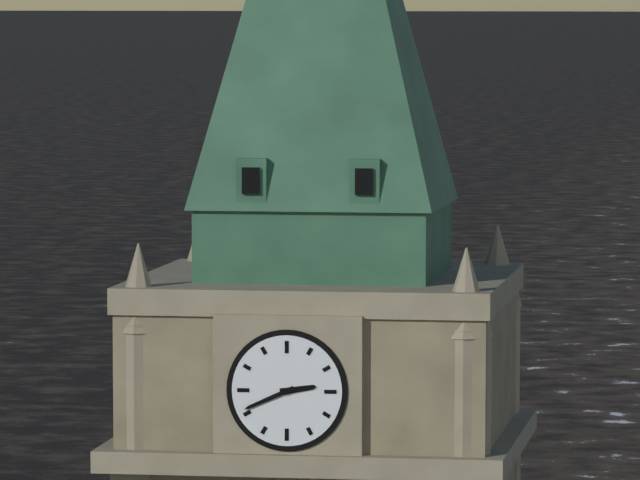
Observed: 2:41
